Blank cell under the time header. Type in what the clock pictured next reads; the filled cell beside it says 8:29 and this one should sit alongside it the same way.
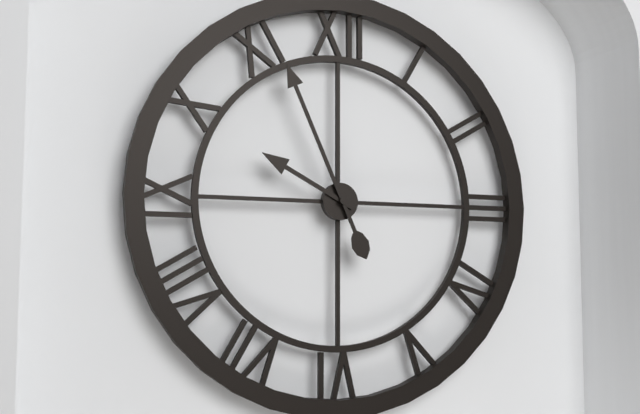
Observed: 9:56
